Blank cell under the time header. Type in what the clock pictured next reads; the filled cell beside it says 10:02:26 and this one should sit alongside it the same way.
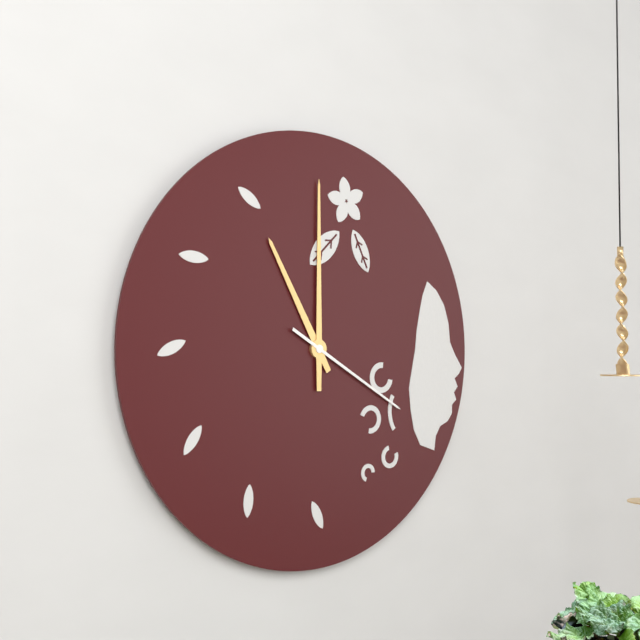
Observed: 11:00:20
